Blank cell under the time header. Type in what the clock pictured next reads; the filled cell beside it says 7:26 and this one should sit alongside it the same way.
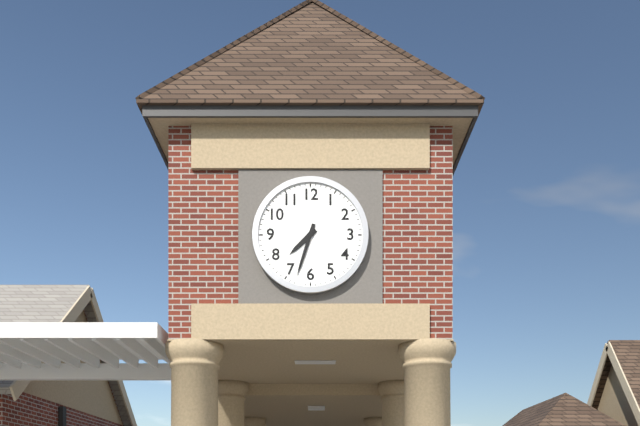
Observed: 7:33
